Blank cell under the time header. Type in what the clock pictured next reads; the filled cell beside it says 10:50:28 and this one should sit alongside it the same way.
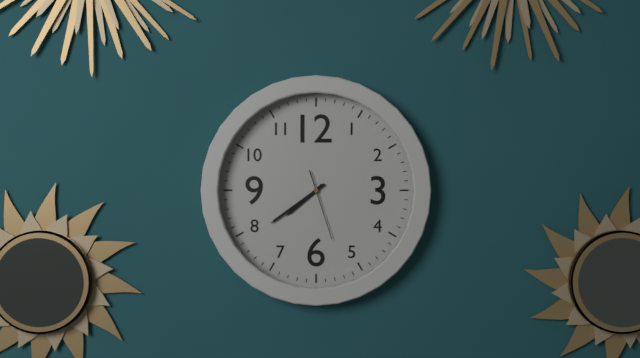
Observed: 7:39:27
